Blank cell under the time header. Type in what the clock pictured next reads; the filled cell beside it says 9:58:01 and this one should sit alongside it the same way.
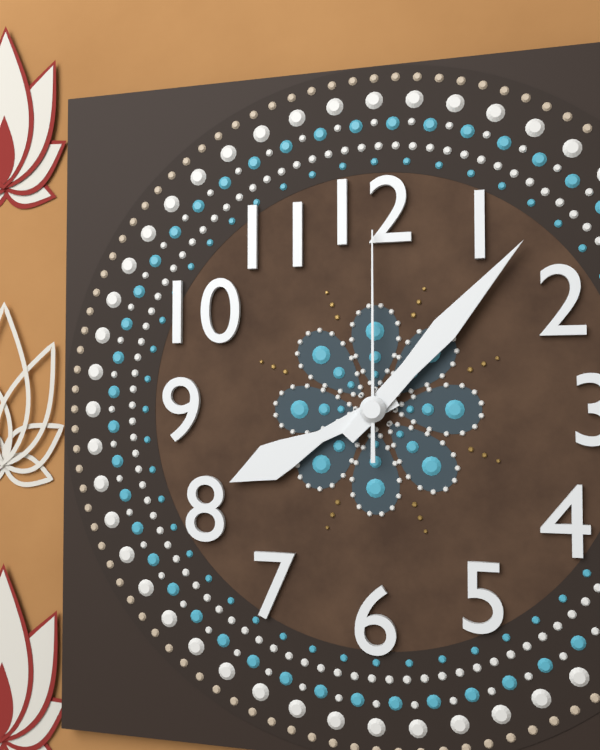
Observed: 8:07:00
